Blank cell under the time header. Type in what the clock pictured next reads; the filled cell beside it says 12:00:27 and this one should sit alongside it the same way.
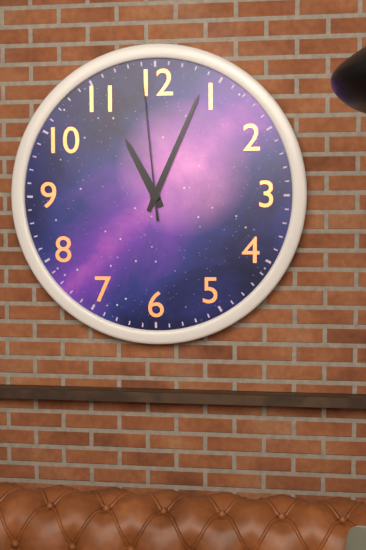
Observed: 11:04:59
